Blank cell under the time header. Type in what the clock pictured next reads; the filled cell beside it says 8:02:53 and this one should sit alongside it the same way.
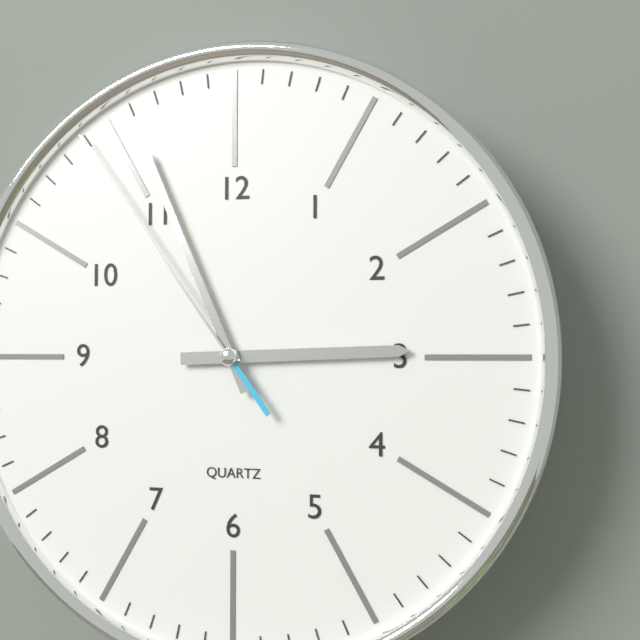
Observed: 2:56:54
